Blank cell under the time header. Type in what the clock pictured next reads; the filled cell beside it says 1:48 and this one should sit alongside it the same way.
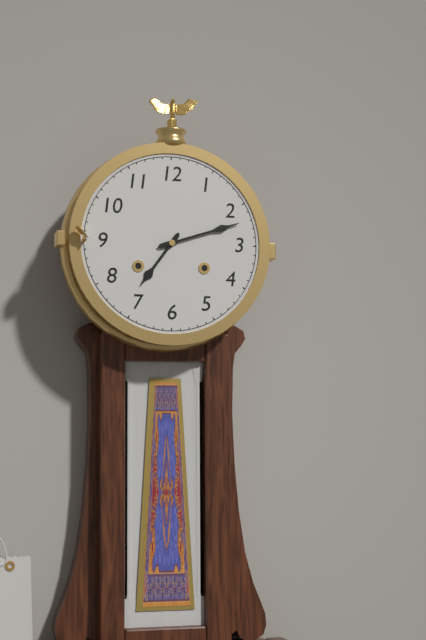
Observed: 7:12
